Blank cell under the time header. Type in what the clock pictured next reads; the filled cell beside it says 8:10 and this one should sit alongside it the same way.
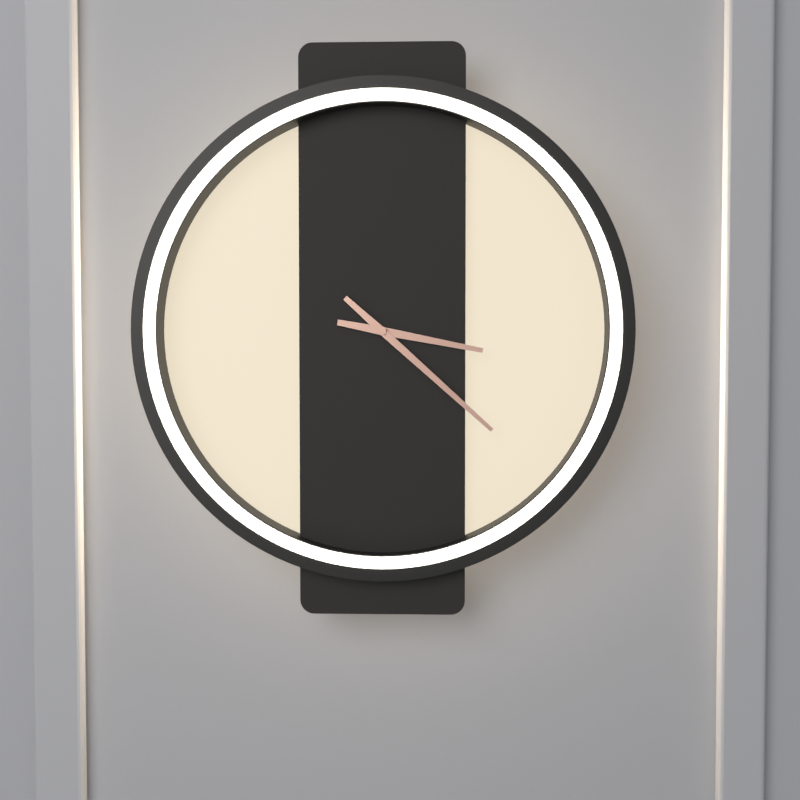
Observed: 3:22
